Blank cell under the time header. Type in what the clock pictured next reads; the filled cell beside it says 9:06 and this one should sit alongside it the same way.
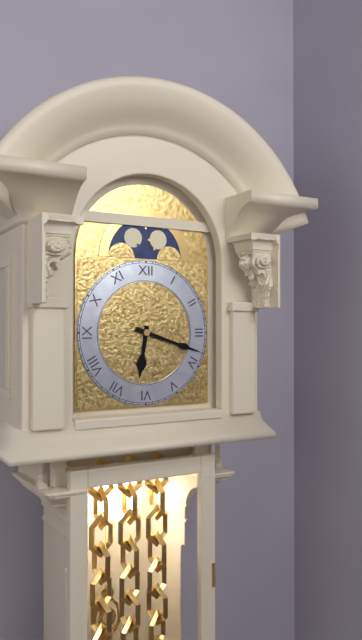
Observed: 6:18
